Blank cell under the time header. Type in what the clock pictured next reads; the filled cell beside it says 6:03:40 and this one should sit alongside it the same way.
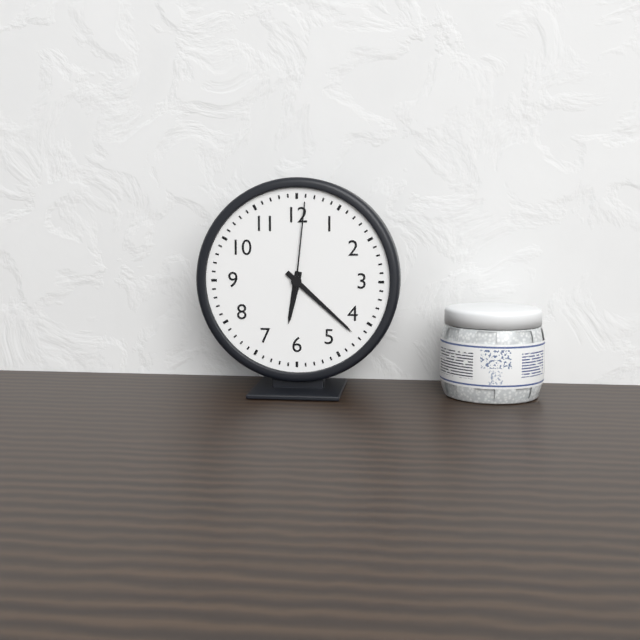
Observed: 6:22:01
